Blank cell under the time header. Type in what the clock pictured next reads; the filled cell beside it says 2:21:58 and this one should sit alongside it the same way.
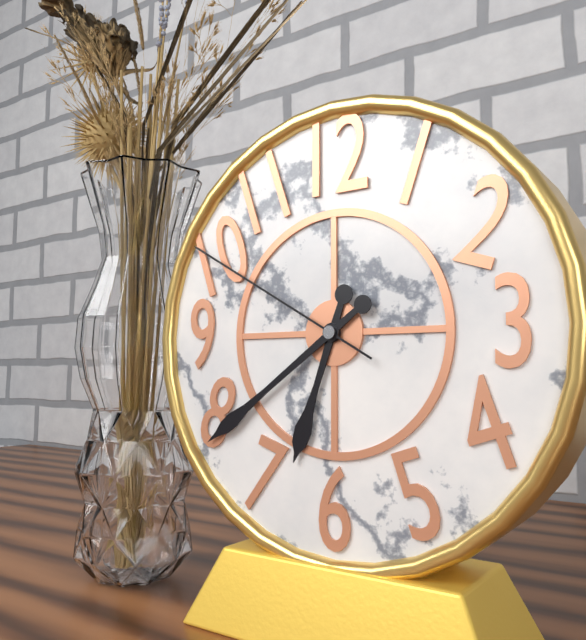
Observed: 6:39:50
